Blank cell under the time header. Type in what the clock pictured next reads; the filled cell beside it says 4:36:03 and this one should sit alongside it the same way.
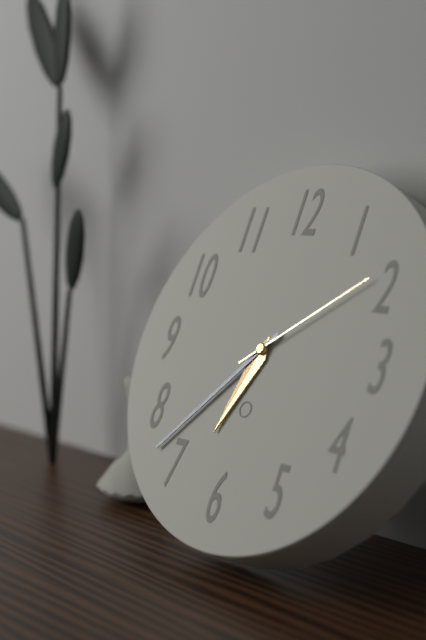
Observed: 6:37:09
